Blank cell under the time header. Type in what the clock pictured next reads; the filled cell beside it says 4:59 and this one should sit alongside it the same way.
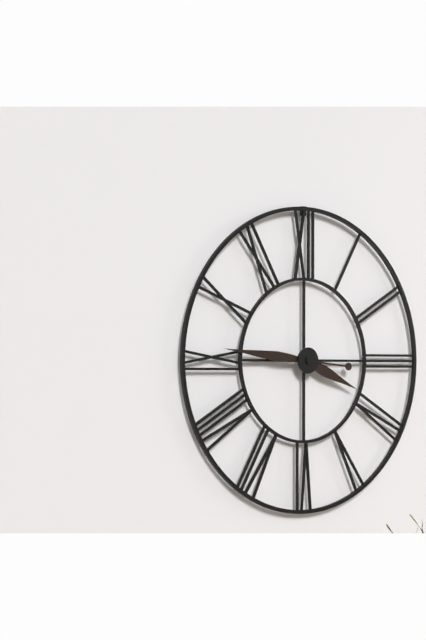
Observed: 3:46
